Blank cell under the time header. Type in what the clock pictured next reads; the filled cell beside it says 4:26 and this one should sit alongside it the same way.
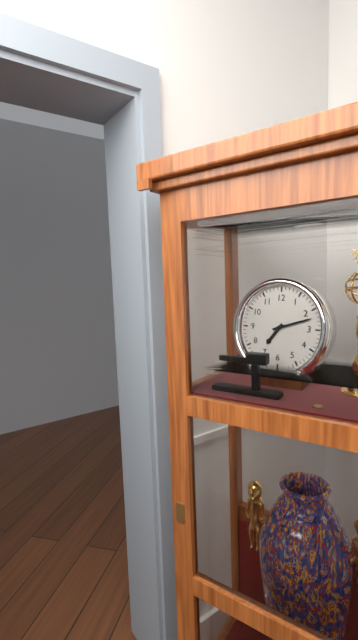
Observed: 7:12
